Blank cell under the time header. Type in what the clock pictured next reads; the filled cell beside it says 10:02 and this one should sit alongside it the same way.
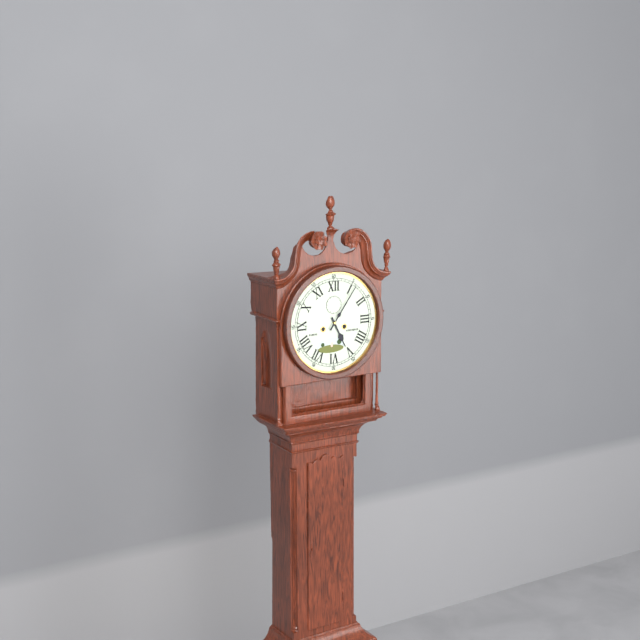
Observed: 5:06
